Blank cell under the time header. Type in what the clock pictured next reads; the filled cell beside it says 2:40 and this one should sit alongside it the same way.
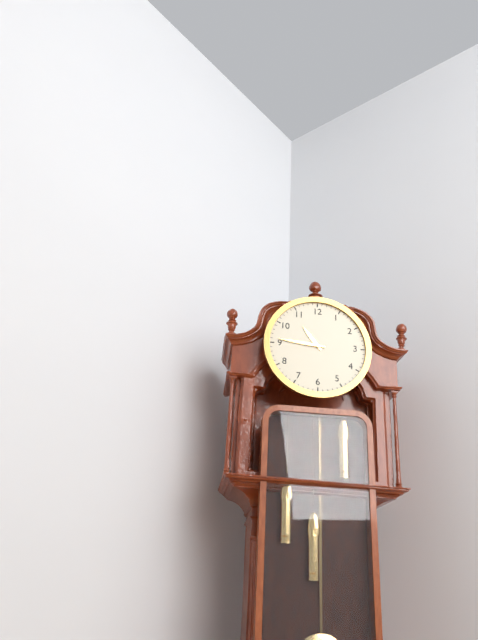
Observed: 10:46
